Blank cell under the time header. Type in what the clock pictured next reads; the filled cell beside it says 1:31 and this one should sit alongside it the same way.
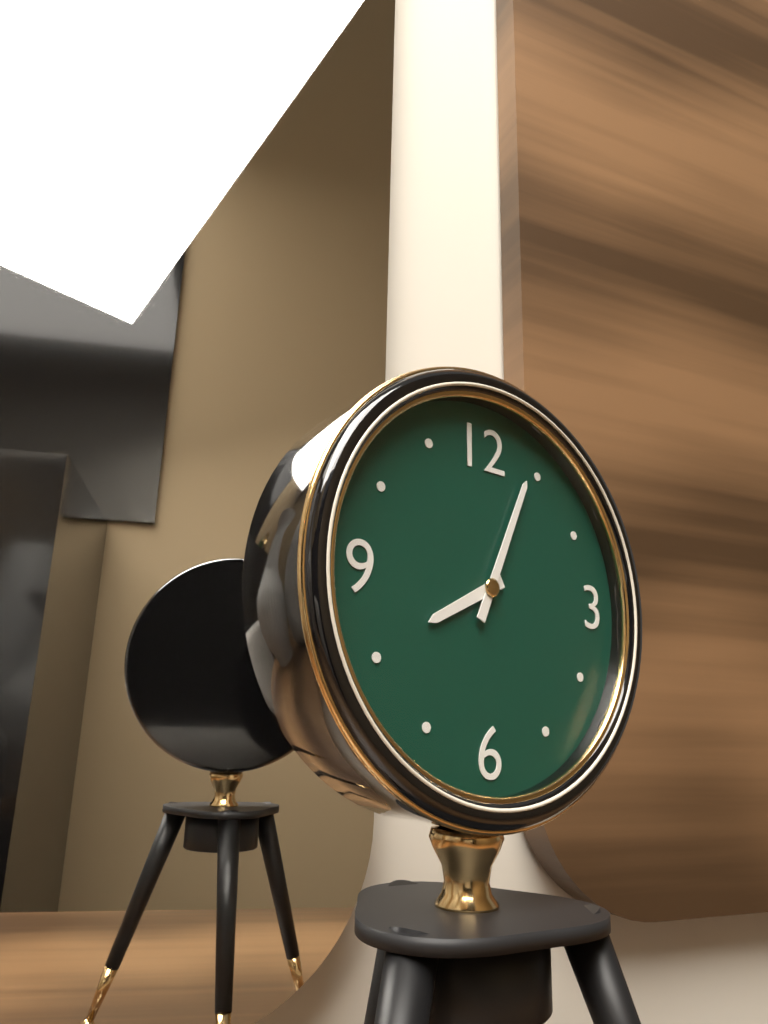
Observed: 8:04
